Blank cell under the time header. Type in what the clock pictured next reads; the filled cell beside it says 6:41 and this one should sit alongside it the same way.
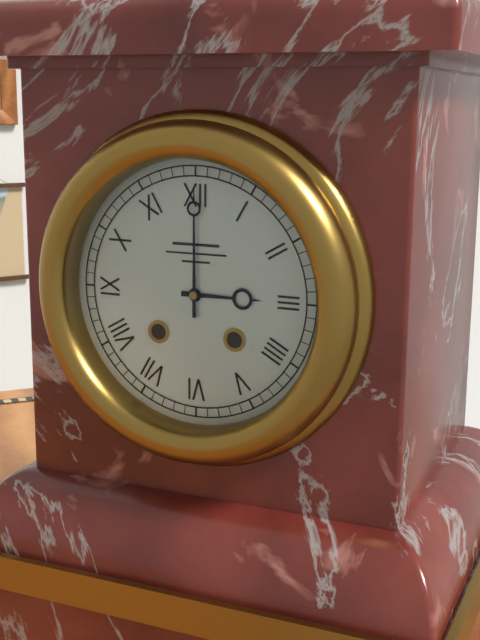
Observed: 3:00
